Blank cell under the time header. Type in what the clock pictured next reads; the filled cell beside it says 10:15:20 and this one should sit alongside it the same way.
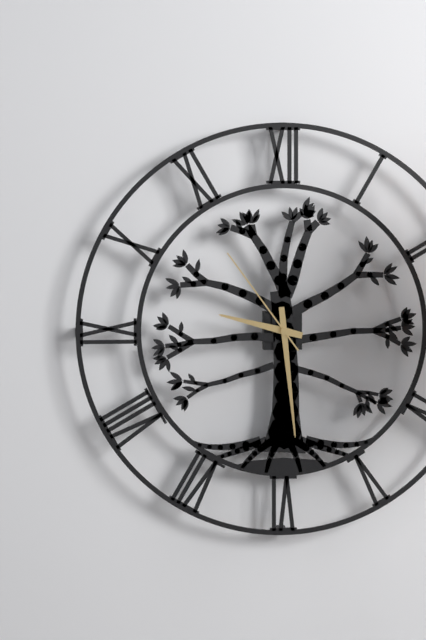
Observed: 9:29:54
